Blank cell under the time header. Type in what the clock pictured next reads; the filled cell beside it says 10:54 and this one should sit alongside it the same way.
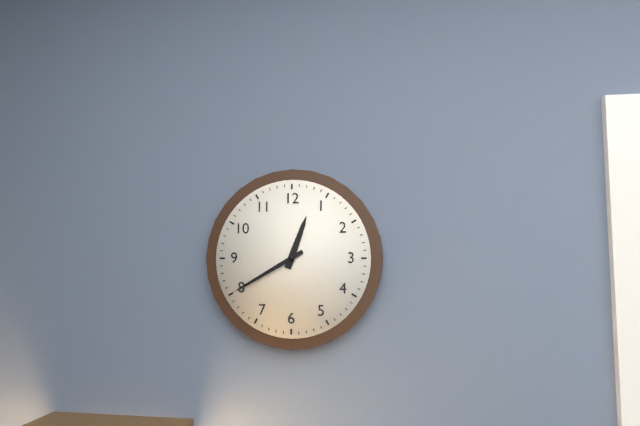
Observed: 12:40
